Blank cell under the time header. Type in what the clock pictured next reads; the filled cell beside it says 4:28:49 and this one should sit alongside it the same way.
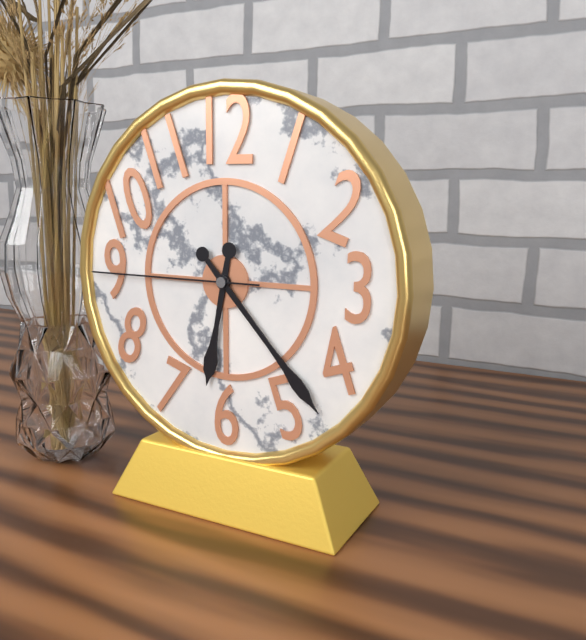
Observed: 6:23:45
